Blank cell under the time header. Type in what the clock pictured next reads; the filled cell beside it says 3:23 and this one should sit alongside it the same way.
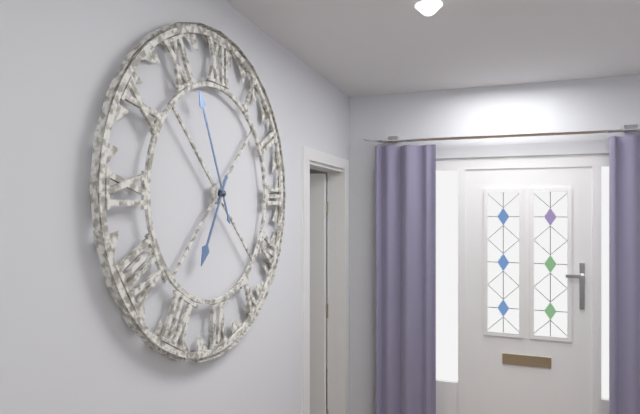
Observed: 6:56
